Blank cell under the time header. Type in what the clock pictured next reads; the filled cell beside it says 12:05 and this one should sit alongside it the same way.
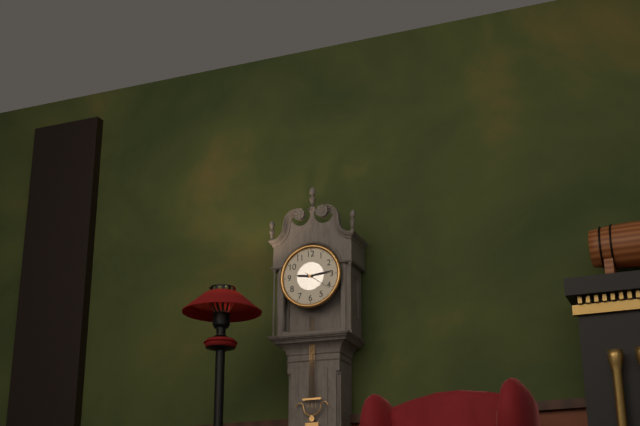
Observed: 9:14
